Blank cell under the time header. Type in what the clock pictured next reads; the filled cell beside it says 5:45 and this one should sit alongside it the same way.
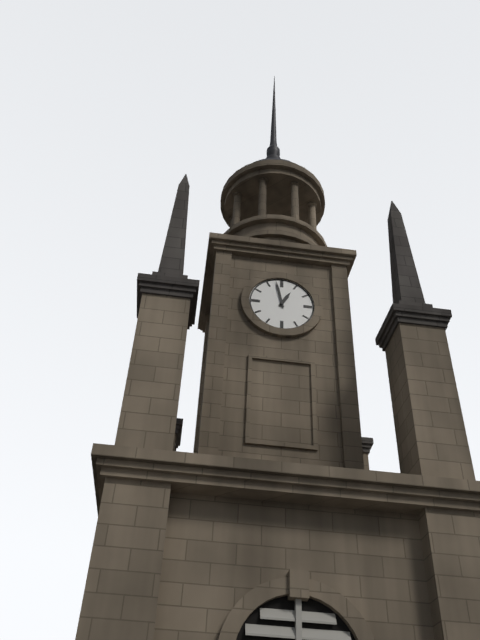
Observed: 12:58
